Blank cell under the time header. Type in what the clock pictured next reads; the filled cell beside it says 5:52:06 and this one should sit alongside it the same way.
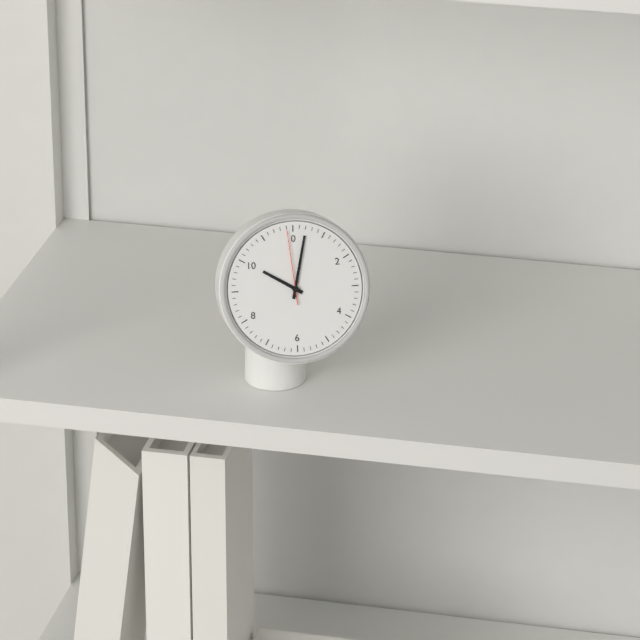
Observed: 10:02:59
